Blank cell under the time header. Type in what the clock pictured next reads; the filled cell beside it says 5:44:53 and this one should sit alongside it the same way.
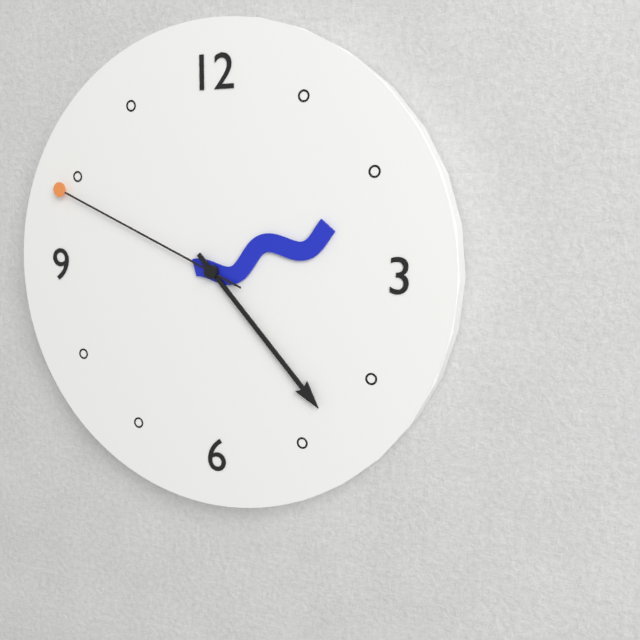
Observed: 2:23:49
